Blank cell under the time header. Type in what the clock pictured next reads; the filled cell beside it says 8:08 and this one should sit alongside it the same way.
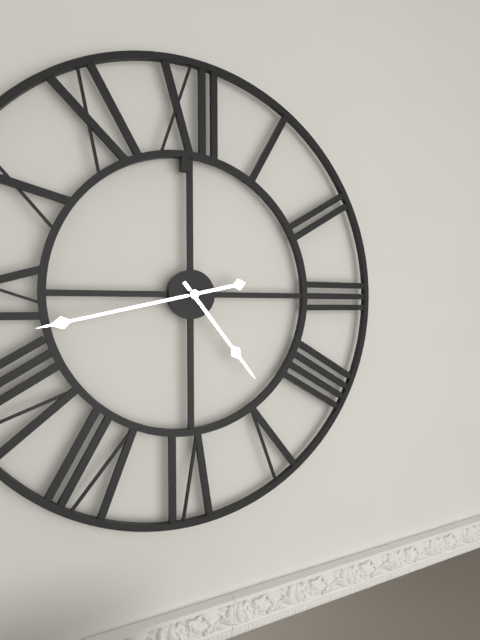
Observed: 4:43
